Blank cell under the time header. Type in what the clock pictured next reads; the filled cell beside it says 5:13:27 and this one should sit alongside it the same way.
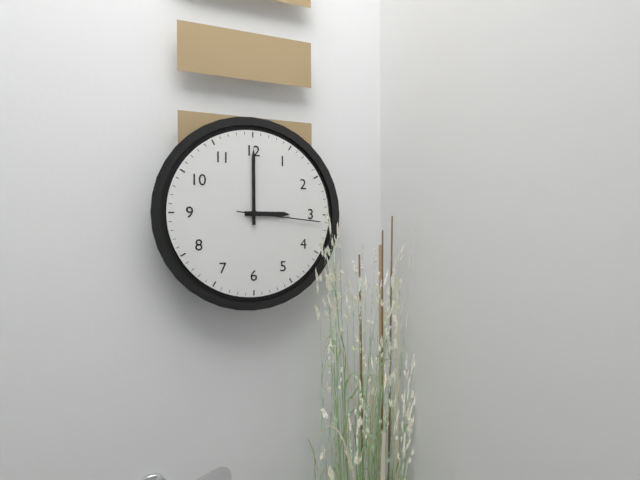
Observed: 3:00:16
